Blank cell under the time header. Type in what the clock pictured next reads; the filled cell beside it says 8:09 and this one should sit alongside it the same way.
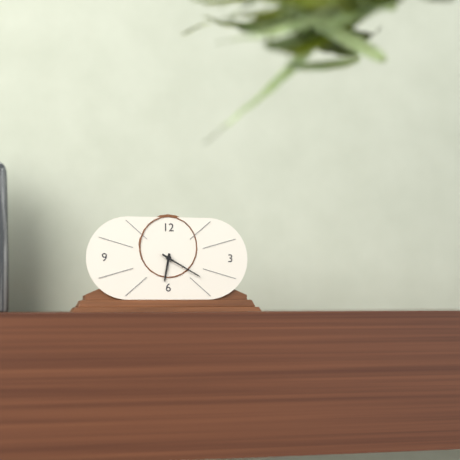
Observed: 6:20
